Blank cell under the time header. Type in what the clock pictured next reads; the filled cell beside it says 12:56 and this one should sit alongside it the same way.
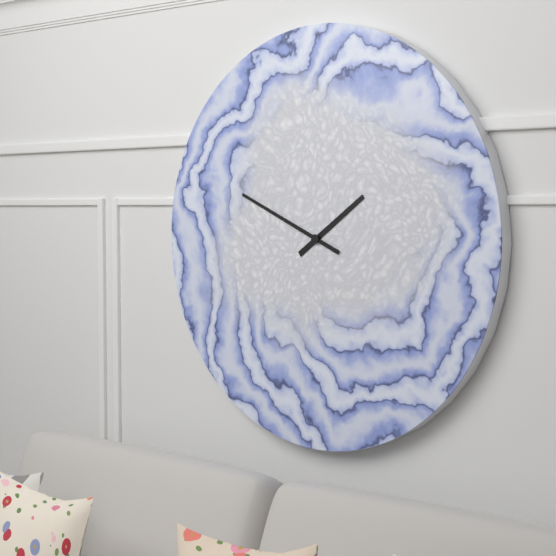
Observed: 1:49
